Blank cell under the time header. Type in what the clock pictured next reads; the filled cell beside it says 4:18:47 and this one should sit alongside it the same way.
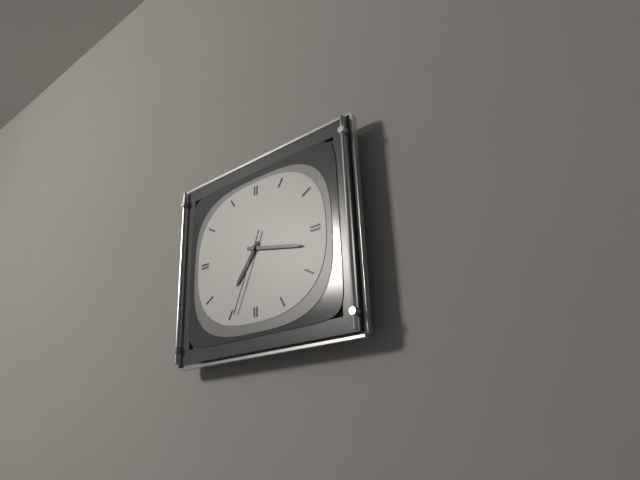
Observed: 7:17:34
